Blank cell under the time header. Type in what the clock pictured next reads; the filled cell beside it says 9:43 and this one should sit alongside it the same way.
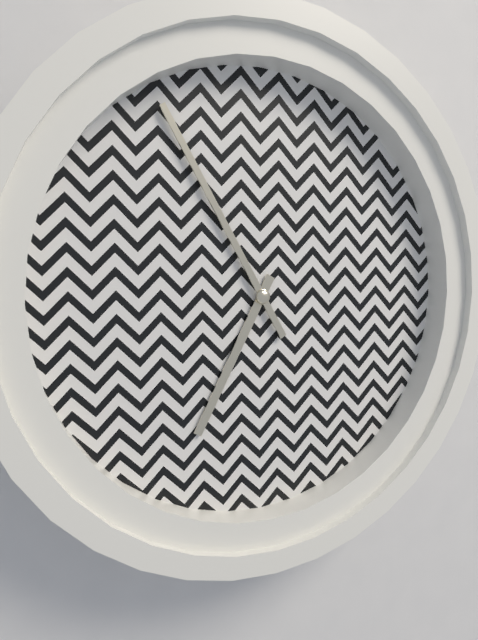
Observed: 6:55
